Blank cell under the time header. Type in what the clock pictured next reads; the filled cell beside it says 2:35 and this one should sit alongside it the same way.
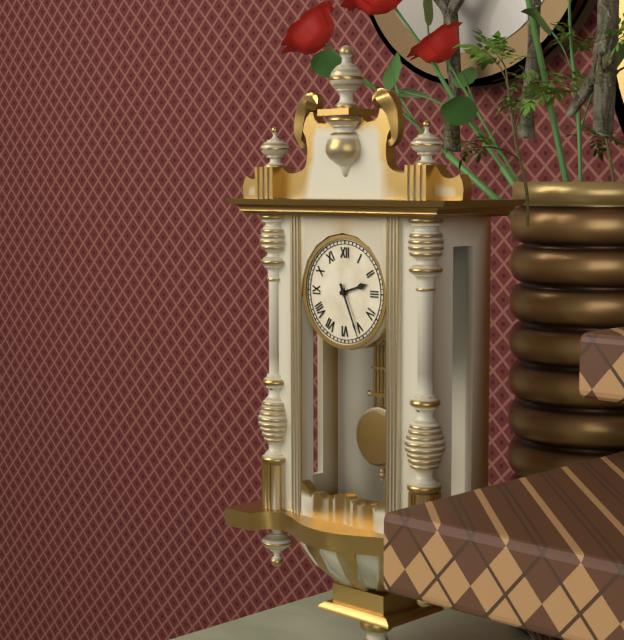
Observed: 2:26
